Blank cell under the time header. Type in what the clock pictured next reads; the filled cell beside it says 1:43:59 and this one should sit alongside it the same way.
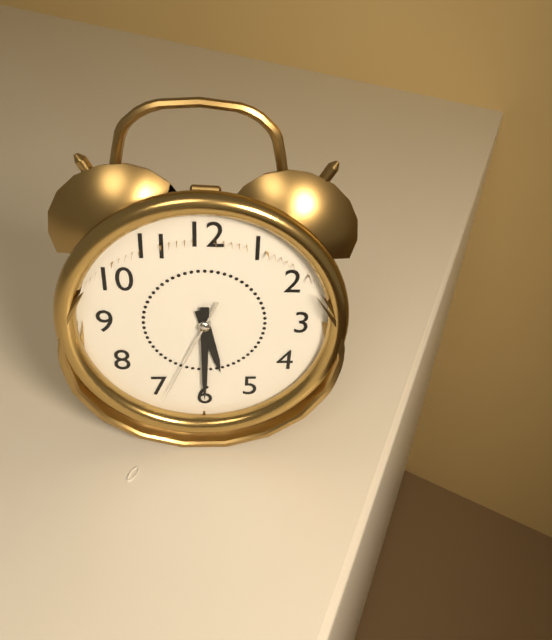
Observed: 5:30:34
